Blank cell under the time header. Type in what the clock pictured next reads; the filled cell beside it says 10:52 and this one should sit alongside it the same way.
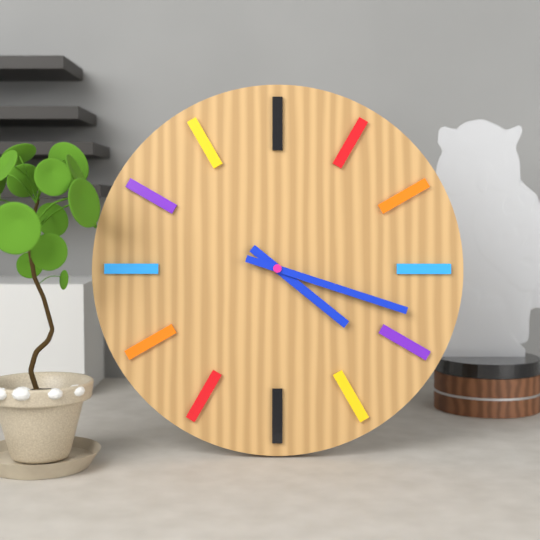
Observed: 4:18
